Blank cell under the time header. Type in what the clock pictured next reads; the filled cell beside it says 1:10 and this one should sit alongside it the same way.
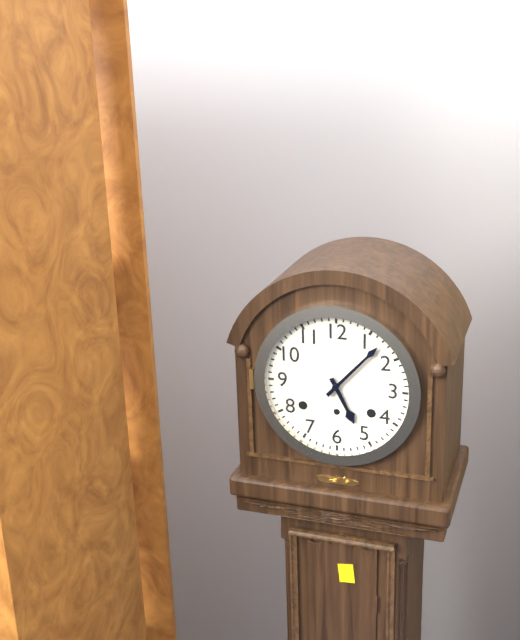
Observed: 5:07
